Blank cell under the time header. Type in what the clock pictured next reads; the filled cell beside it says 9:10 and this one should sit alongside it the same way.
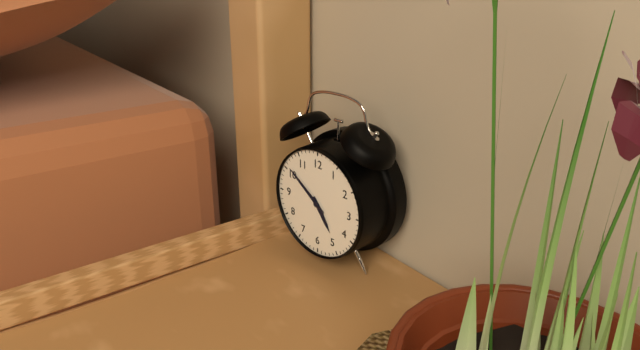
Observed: 4:51
